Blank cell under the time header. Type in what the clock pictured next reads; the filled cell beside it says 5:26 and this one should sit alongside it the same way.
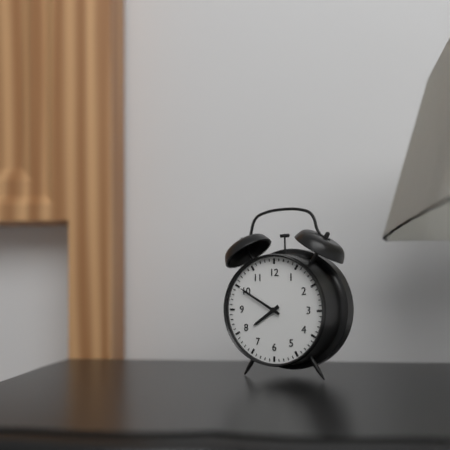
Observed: 7:50
